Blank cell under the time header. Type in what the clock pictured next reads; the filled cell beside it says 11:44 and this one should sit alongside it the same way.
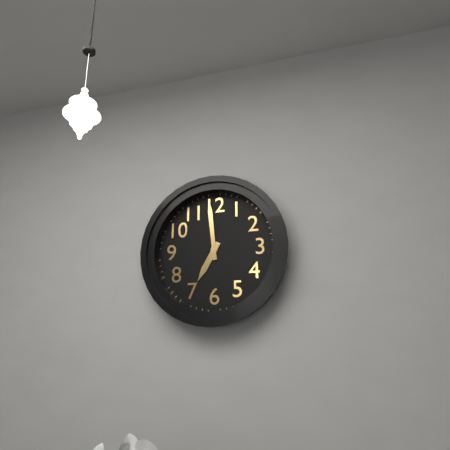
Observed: 6:59
